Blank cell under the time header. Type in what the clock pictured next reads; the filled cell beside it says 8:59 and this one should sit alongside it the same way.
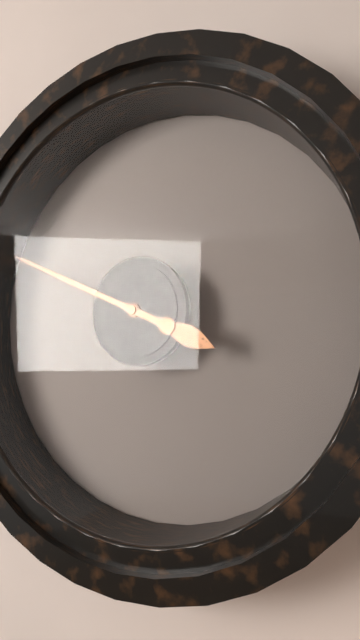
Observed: 3:49
